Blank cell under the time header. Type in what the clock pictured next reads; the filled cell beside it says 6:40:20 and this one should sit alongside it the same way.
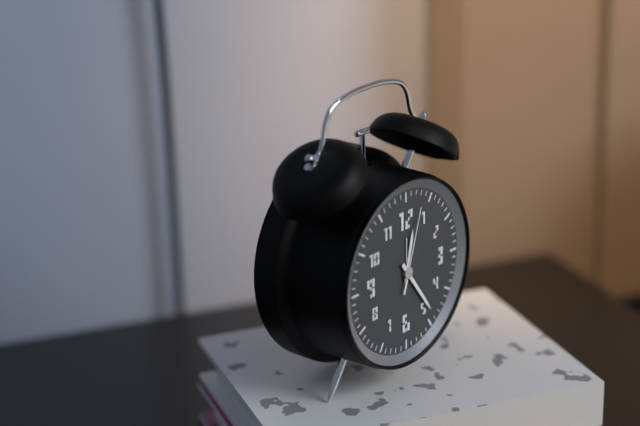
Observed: 12:24:03
